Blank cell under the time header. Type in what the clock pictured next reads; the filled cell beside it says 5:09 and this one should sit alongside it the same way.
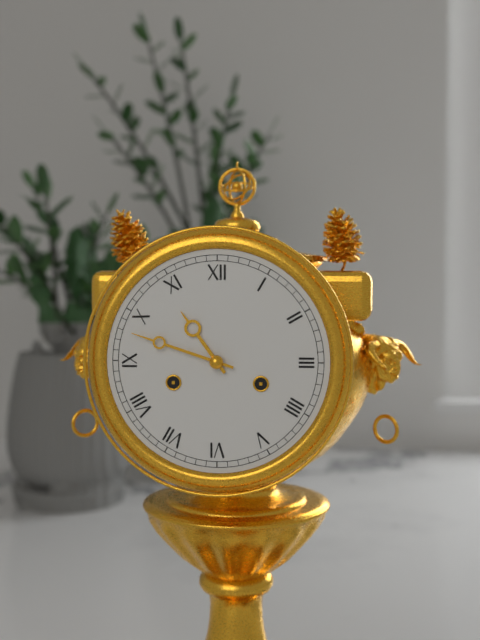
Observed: 10:48
